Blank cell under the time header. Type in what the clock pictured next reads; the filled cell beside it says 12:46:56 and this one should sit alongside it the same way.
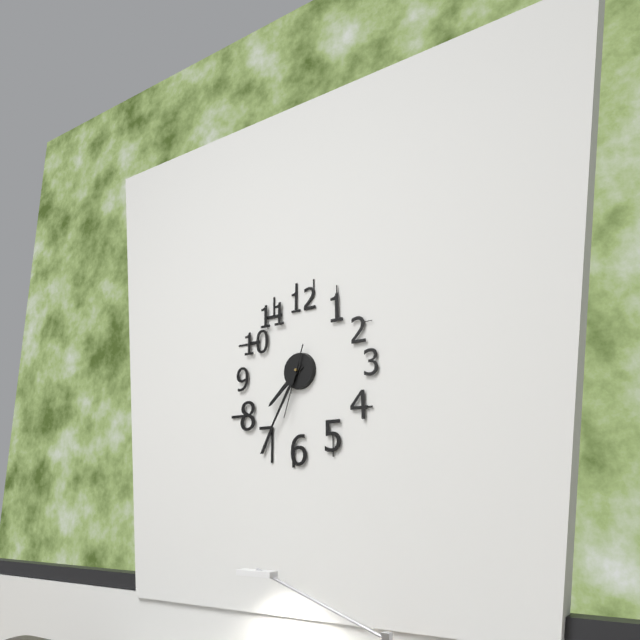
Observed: 7:35:33
